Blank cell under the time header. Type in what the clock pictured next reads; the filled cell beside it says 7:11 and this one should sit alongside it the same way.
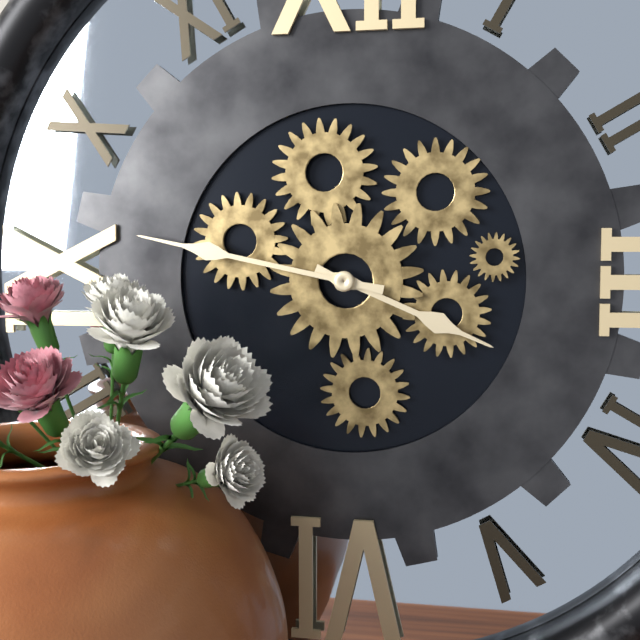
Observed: 3:47
